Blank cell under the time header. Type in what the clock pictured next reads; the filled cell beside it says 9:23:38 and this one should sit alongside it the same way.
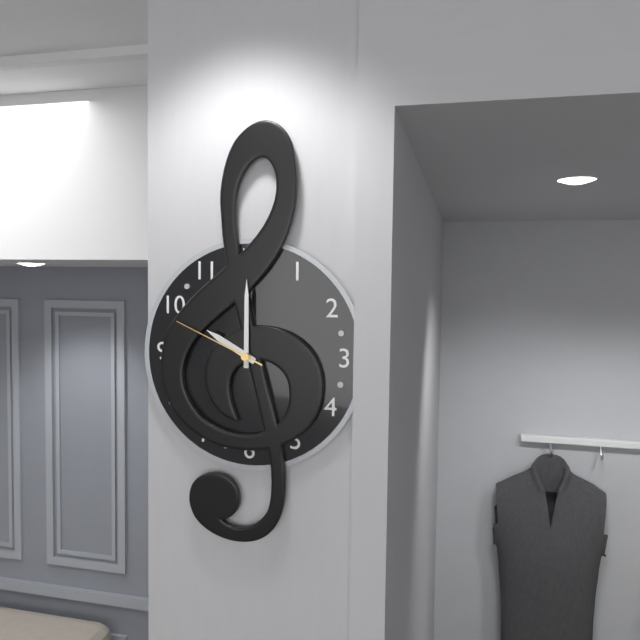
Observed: 10:00:49
